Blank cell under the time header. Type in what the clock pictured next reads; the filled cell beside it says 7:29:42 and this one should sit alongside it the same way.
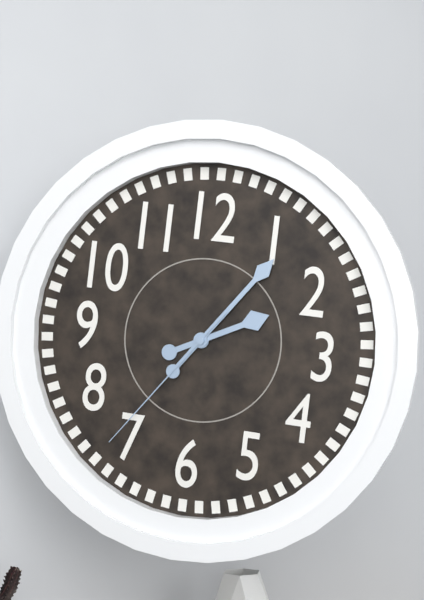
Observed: 2:06:36
